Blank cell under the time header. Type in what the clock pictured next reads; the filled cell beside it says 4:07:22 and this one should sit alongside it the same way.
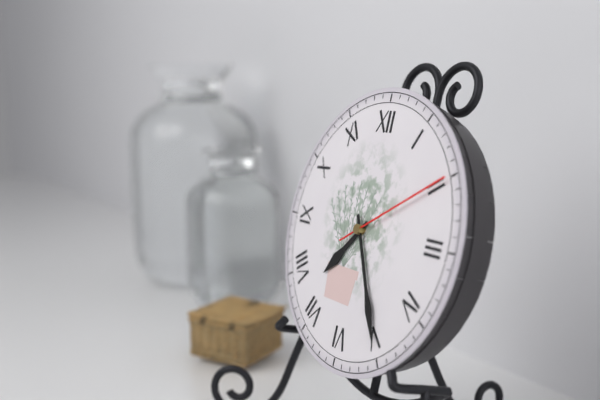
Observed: 7:25:10
